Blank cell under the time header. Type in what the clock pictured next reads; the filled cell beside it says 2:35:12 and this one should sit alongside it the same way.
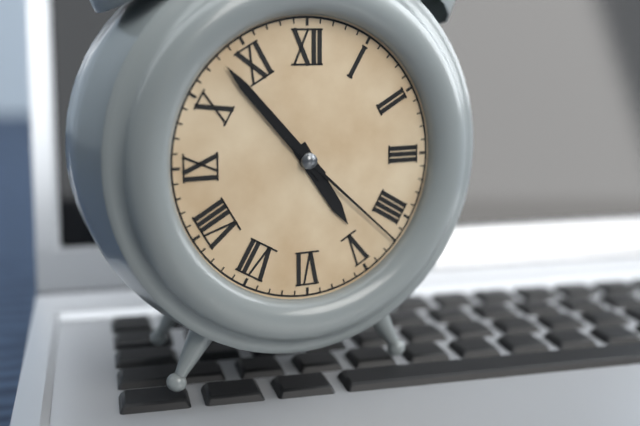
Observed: 4:53:22
